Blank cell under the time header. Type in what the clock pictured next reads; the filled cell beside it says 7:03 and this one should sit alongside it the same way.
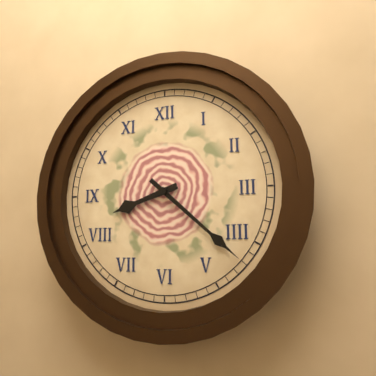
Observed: 8:22
